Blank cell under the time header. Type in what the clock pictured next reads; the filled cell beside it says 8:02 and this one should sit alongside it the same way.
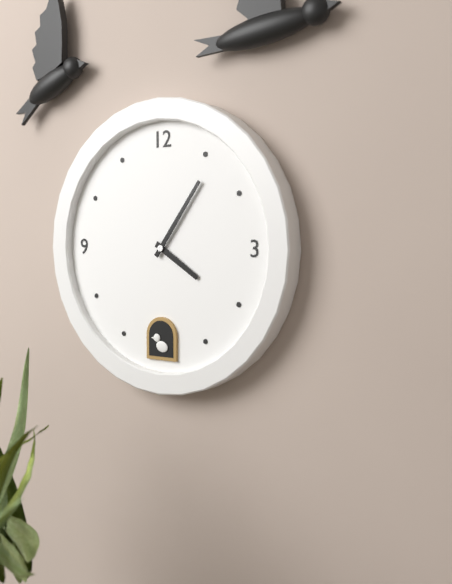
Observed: 4:06
